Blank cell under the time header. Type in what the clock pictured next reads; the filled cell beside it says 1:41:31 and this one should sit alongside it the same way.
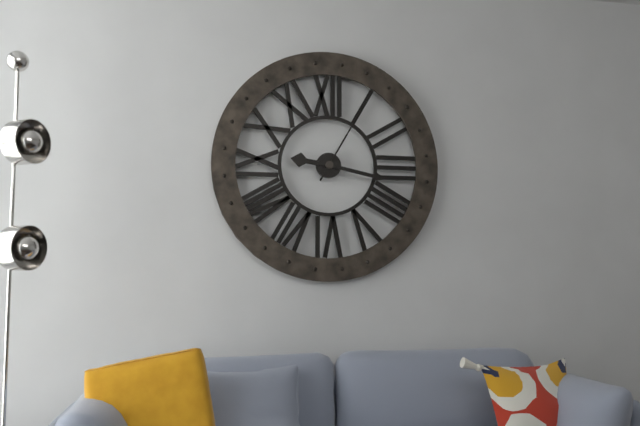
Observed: 9:17:05
